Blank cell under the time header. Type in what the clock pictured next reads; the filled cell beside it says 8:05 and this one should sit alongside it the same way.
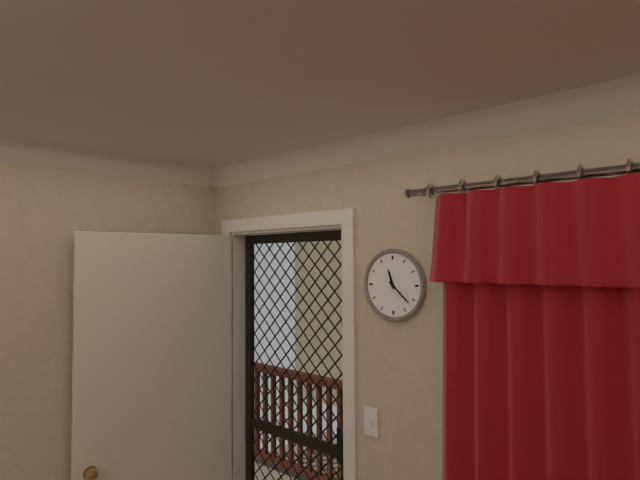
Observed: 11:22
